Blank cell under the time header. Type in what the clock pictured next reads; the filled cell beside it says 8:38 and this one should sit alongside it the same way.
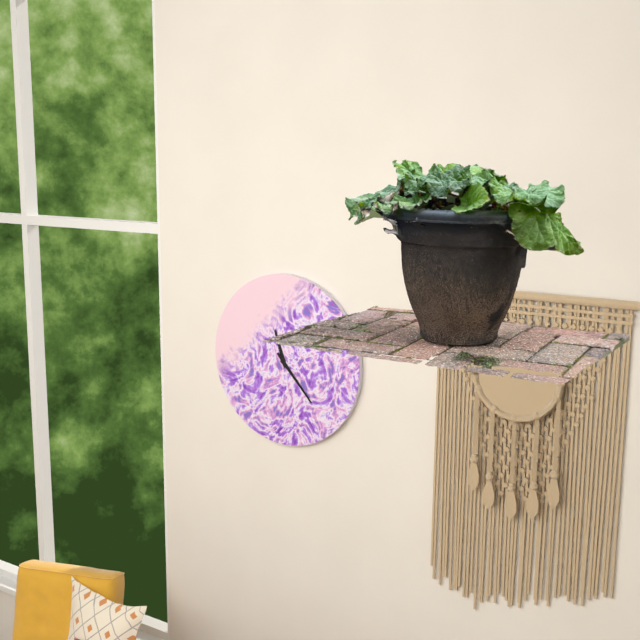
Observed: 11:23
